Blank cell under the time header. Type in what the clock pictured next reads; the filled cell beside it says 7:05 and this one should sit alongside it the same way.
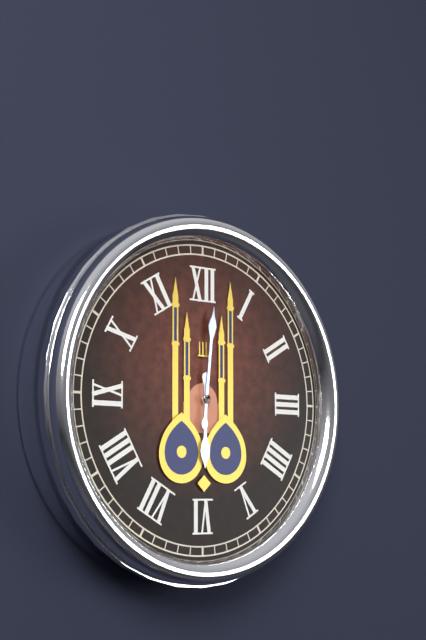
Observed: 6:01
